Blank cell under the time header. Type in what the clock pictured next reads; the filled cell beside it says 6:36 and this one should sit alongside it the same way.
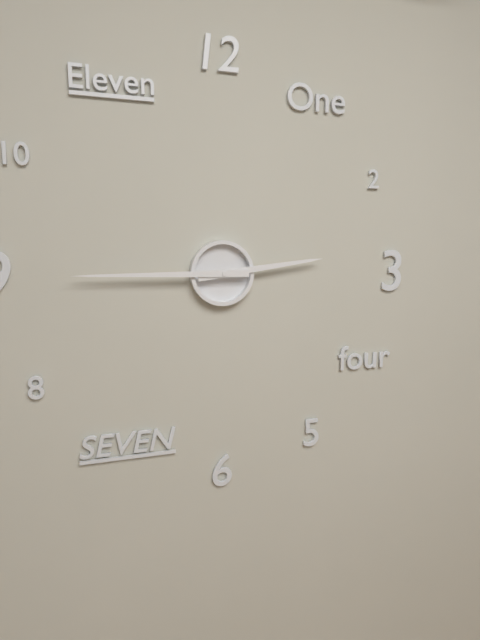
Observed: 2:45
